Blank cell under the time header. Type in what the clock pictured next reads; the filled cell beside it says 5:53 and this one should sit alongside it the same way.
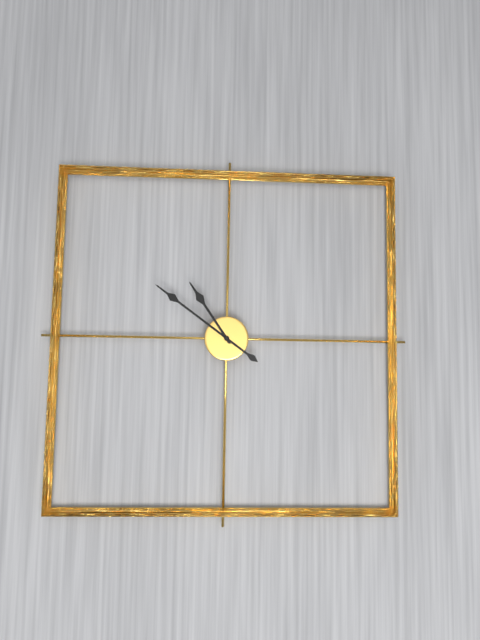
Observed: 10:51
